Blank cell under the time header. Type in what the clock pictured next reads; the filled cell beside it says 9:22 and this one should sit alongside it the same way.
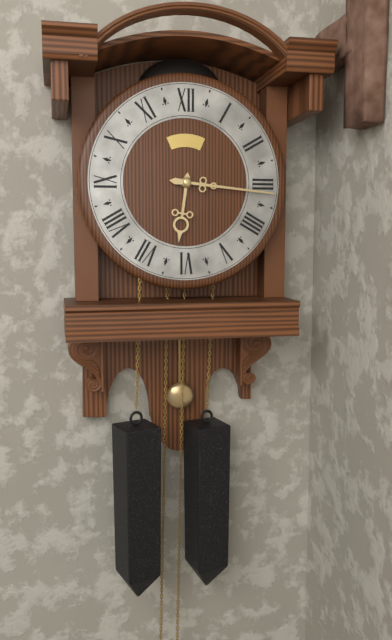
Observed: 6:16
